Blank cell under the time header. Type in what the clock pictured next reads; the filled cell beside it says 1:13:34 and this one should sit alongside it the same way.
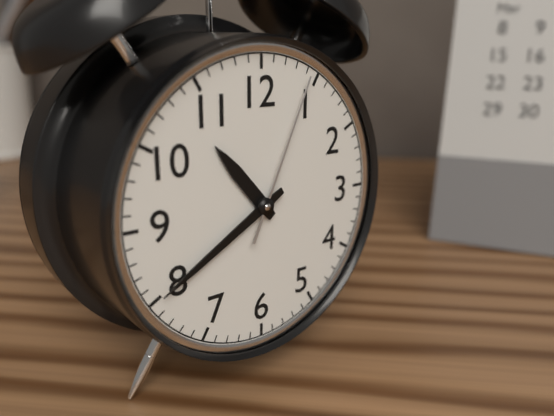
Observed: 10:40:04
